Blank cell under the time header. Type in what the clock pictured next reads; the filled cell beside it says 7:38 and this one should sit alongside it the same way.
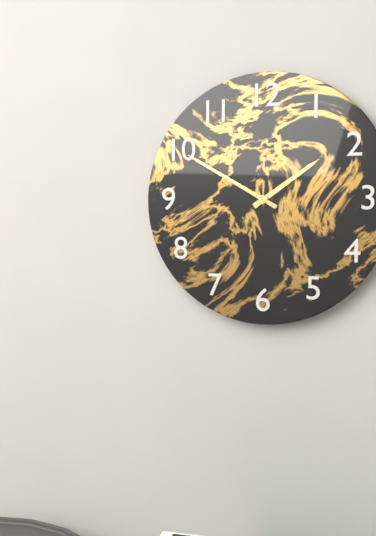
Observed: 1:50
